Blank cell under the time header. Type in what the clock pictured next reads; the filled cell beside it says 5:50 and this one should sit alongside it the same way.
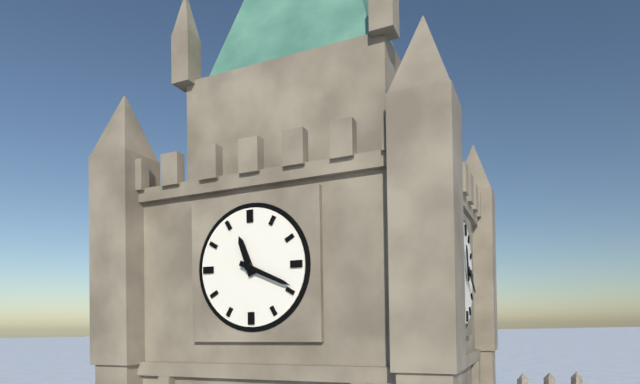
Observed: 11:19
